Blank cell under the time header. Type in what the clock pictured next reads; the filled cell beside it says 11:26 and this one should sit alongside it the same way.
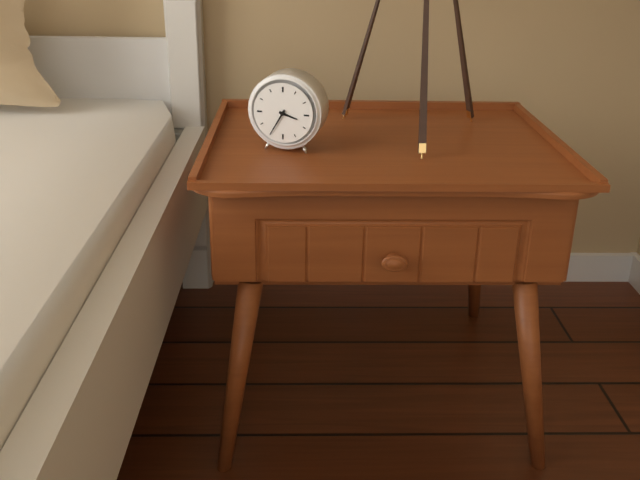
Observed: 3:35
